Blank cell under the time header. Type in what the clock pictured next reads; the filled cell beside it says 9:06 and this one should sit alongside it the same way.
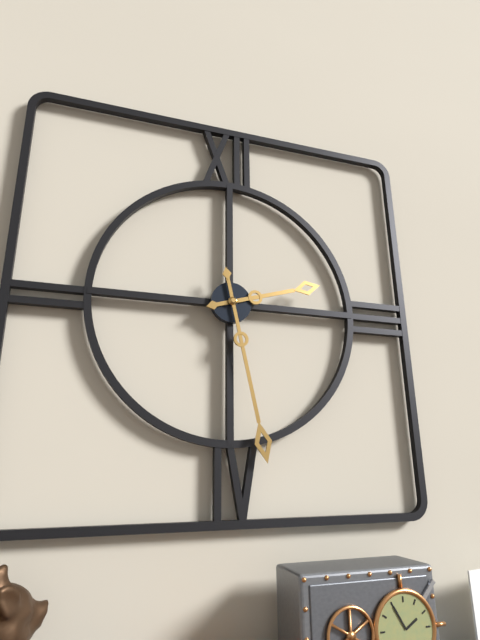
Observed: 2:28
